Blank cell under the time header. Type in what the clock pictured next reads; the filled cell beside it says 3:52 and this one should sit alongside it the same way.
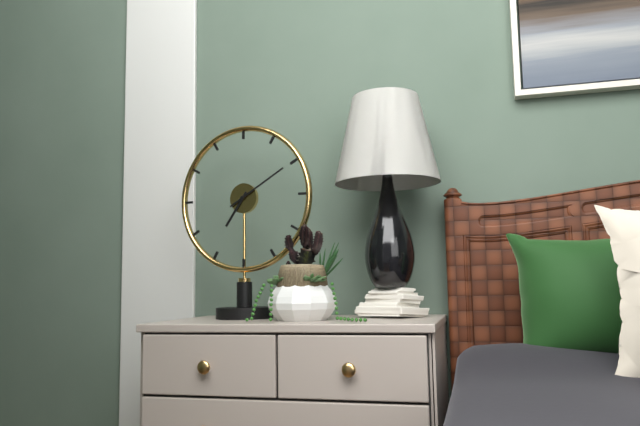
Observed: 7:10
